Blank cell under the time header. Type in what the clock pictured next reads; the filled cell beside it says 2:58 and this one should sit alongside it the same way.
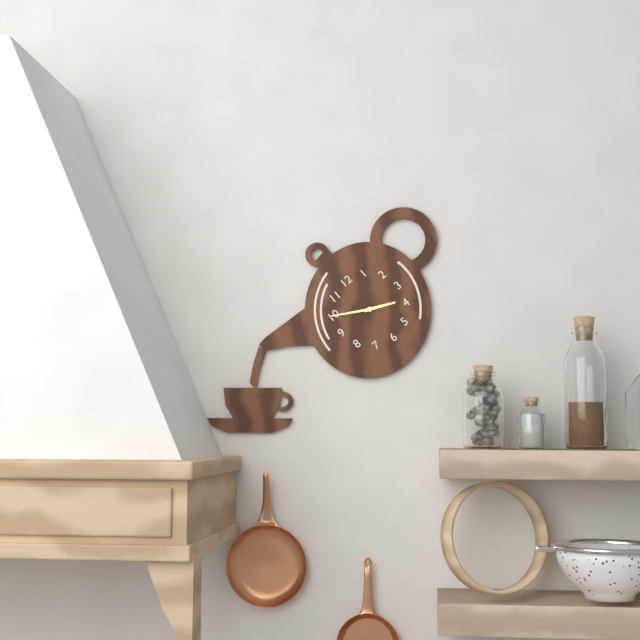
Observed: 3:50
